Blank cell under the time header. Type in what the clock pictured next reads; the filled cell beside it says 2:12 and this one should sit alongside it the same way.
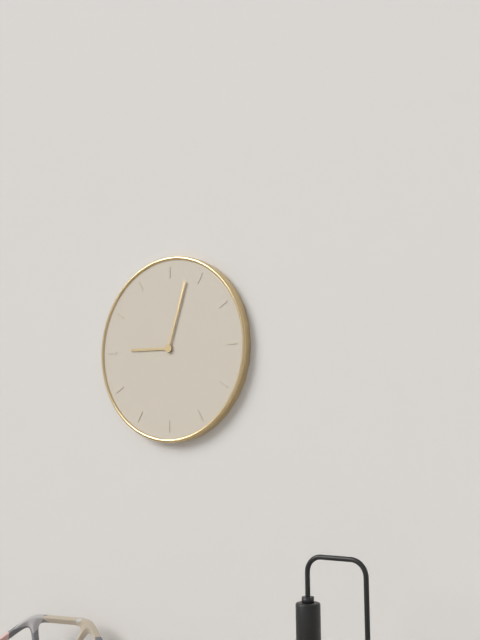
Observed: 9:03
